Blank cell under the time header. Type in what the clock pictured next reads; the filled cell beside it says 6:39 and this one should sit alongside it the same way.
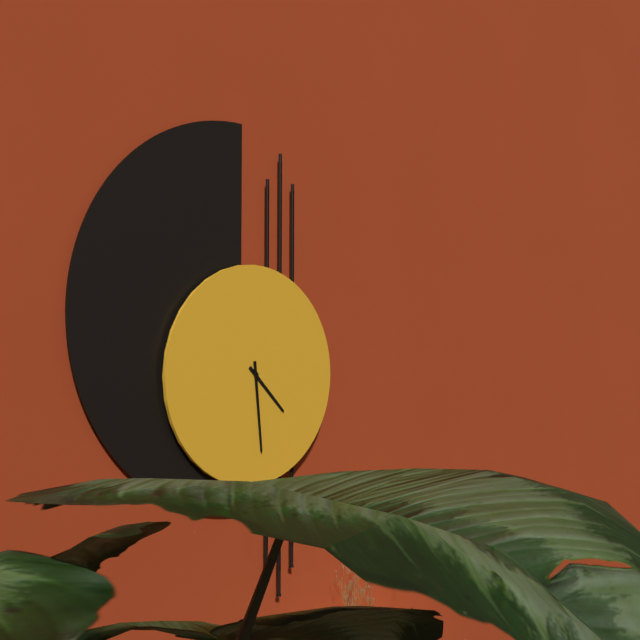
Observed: 4:29
